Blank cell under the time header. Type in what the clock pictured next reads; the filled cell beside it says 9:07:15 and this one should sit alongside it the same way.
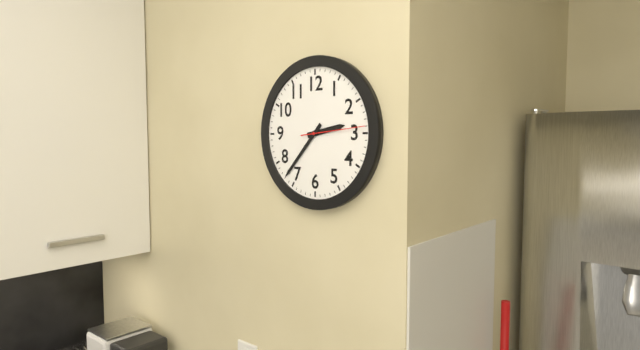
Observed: 2:37:14
